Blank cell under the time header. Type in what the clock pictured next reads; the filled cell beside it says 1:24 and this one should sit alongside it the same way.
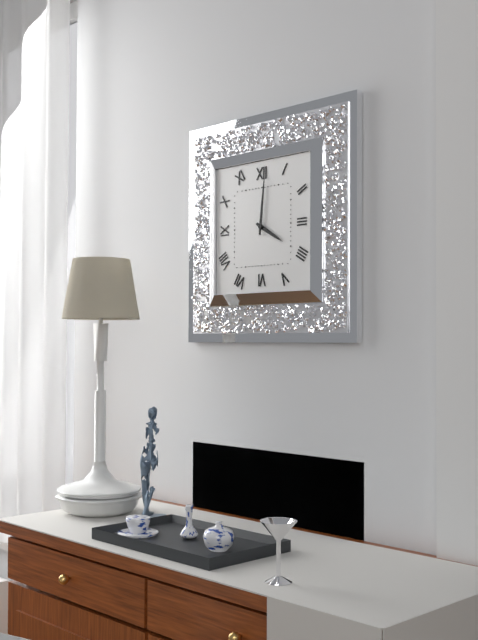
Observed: 4:01
